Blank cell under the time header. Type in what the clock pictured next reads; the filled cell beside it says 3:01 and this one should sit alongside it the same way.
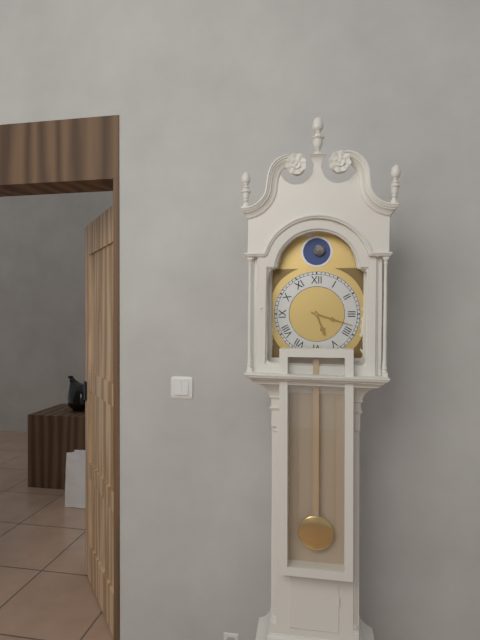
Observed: 5:18
